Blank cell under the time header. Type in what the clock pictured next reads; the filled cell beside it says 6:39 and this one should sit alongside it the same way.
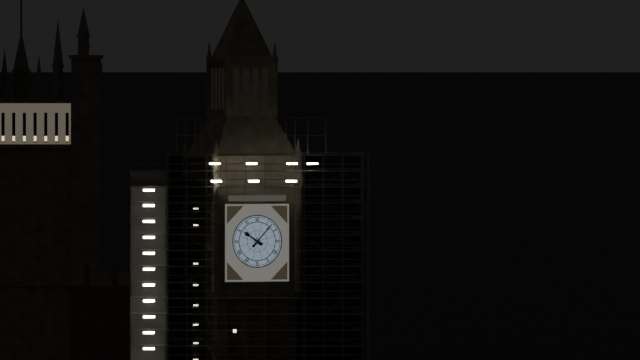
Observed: 10:07
